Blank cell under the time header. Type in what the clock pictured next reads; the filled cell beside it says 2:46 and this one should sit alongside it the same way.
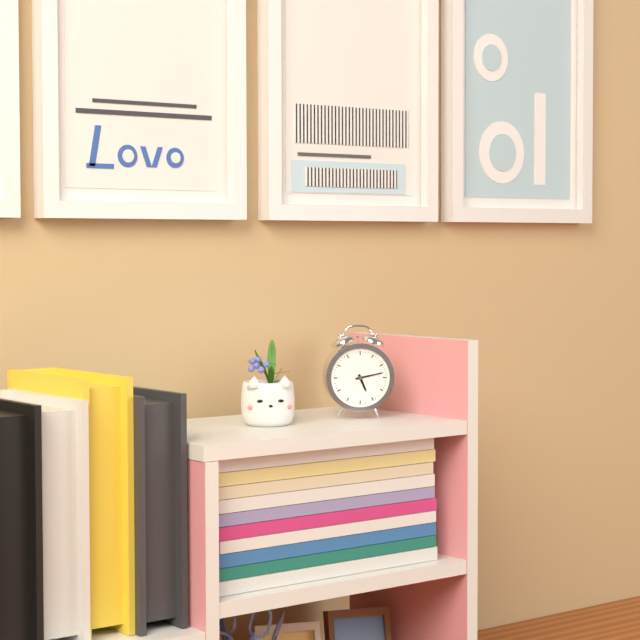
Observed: 5:13
